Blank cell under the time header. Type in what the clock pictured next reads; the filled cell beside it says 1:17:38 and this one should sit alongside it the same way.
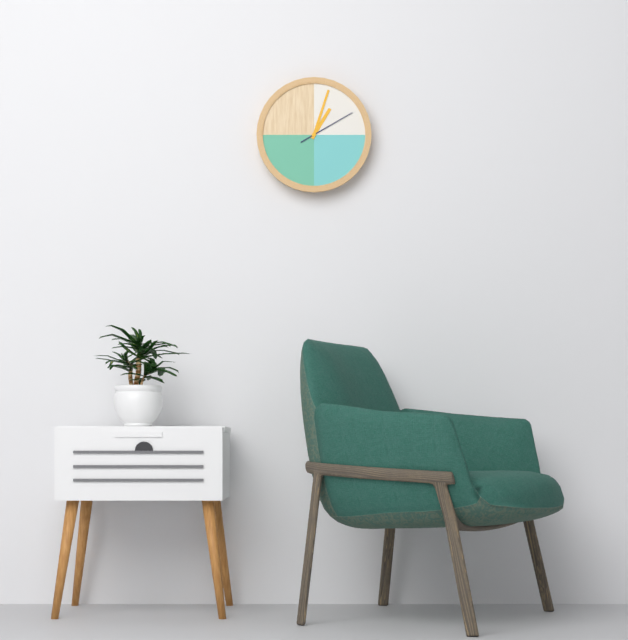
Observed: 1:03:10
